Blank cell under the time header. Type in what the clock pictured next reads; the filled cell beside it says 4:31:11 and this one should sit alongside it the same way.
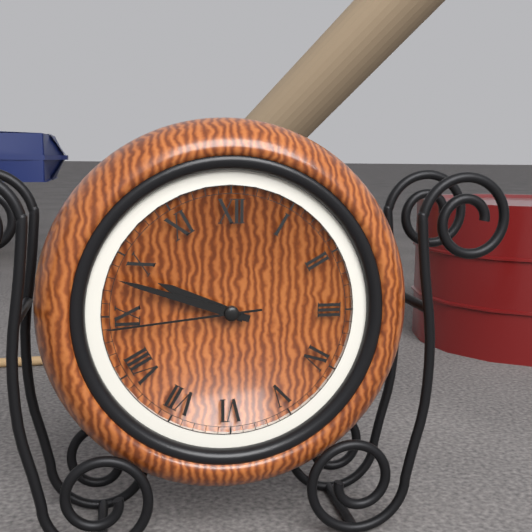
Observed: 9:48:44
